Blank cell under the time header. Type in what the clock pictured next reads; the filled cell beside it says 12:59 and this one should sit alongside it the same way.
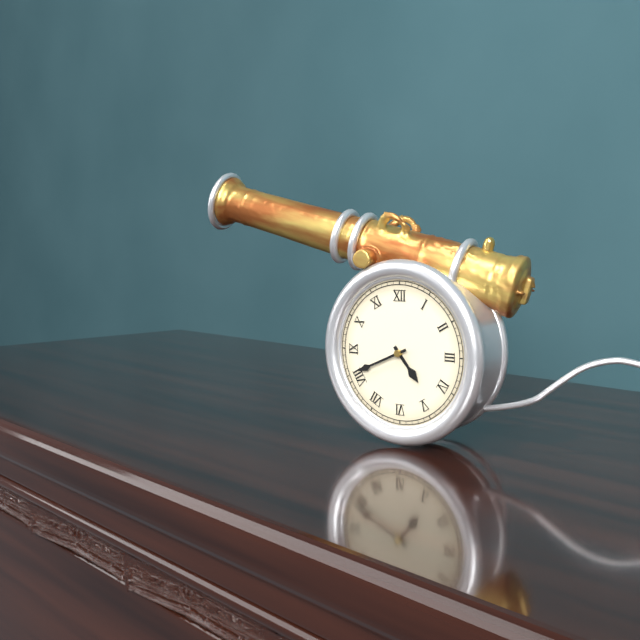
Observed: 4:41
